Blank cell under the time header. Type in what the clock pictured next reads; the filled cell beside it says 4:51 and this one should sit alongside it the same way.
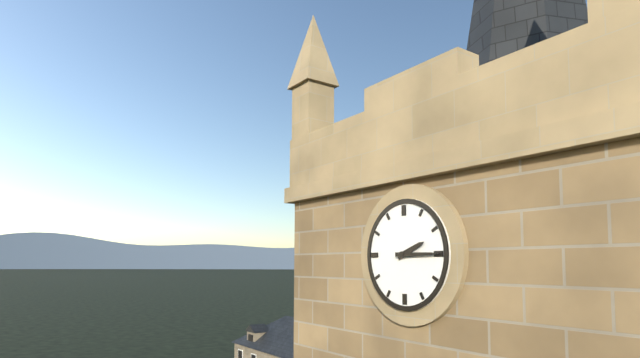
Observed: 2:15
